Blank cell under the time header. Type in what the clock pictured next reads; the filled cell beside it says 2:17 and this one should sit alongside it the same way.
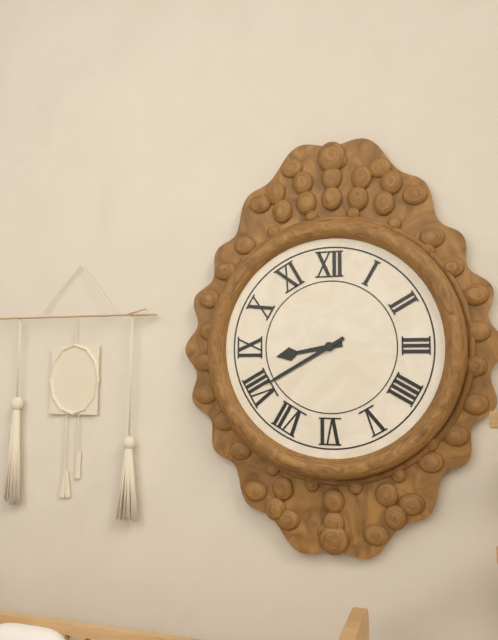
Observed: 8:40
